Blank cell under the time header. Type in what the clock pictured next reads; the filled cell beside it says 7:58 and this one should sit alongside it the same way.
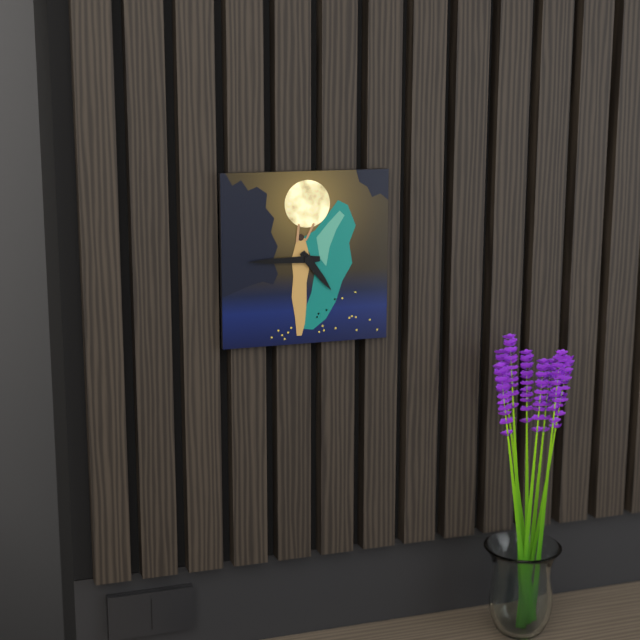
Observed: 4:45
